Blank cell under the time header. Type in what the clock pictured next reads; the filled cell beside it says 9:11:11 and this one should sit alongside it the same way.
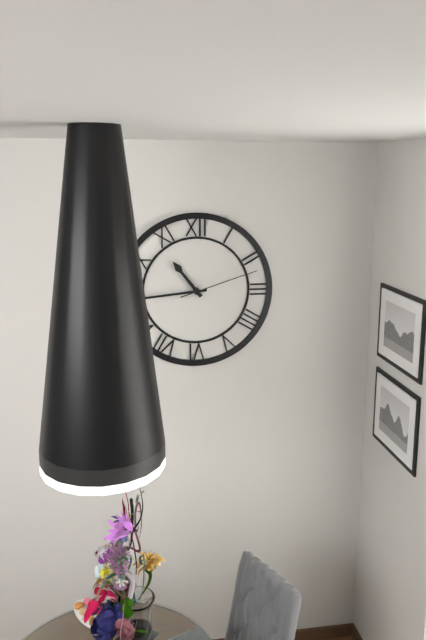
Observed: 10:44:12
